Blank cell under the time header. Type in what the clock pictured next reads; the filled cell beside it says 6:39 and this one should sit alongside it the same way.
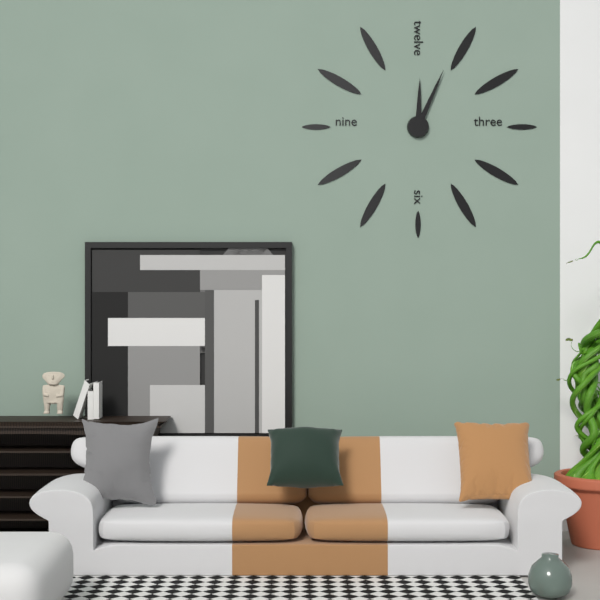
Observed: 12:04
